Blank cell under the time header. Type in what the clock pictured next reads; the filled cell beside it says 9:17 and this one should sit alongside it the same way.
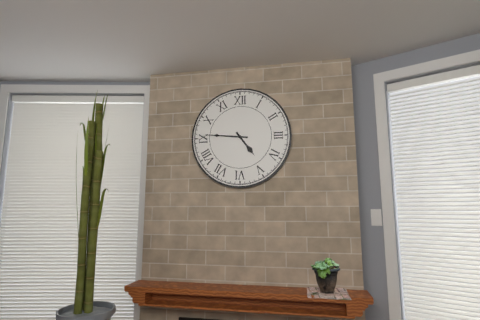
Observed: 4:46
